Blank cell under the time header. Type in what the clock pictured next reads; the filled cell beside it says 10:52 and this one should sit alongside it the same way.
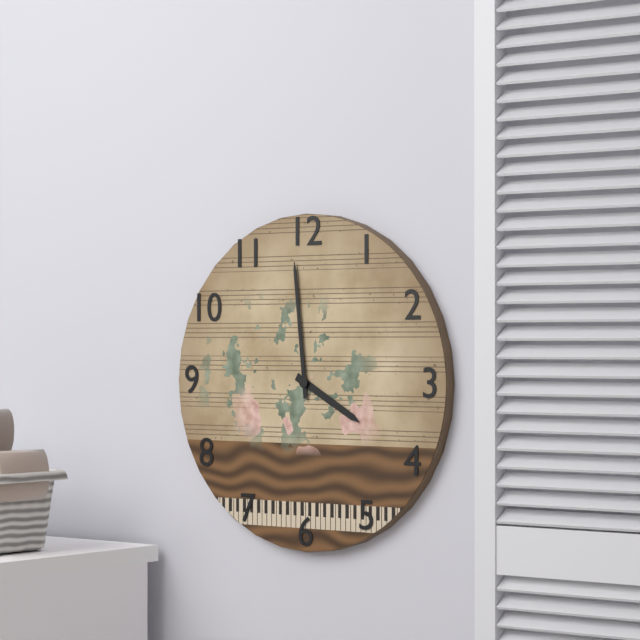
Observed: 3:59
